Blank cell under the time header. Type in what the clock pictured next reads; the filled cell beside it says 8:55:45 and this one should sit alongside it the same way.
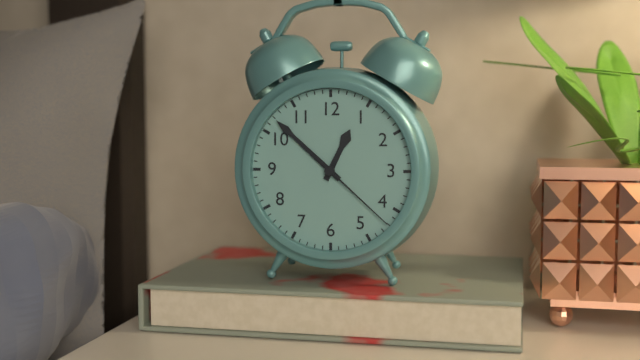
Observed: 12:52:22
